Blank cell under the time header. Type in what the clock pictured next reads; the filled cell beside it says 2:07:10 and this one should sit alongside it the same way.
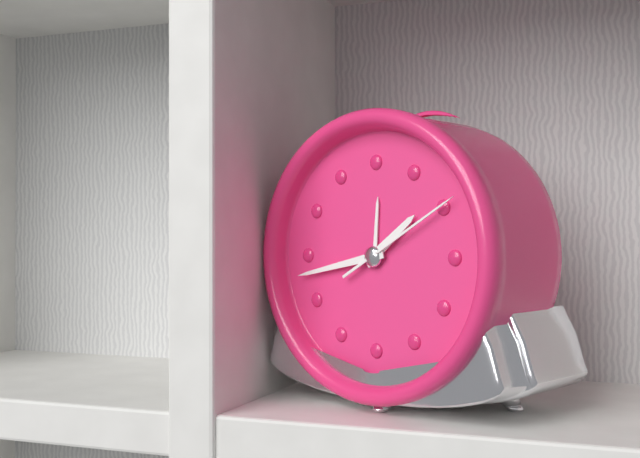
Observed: 1:43:10
